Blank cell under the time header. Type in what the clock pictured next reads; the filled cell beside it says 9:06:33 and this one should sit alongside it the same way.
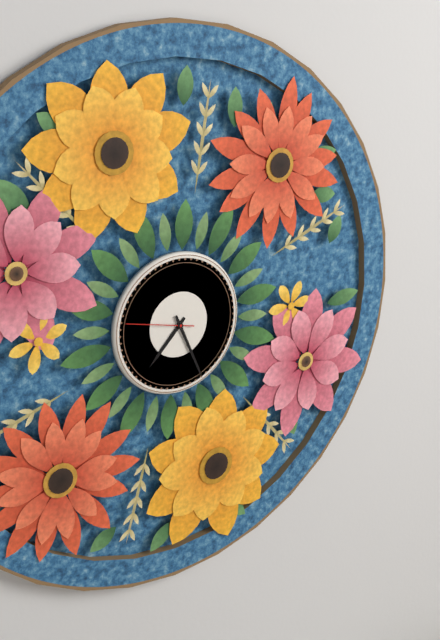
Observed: 7:26:47
